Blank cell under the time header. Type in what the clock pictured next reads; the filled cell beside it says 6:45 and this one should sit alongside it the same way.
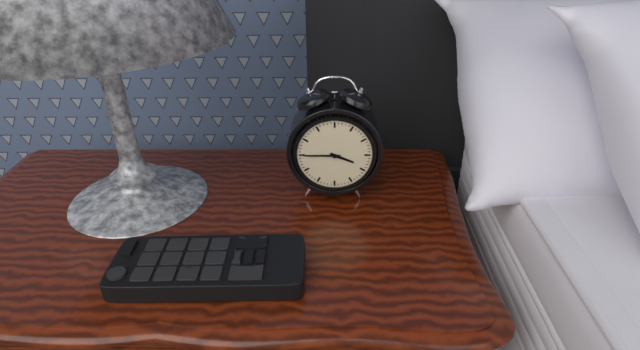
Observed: 3:45
